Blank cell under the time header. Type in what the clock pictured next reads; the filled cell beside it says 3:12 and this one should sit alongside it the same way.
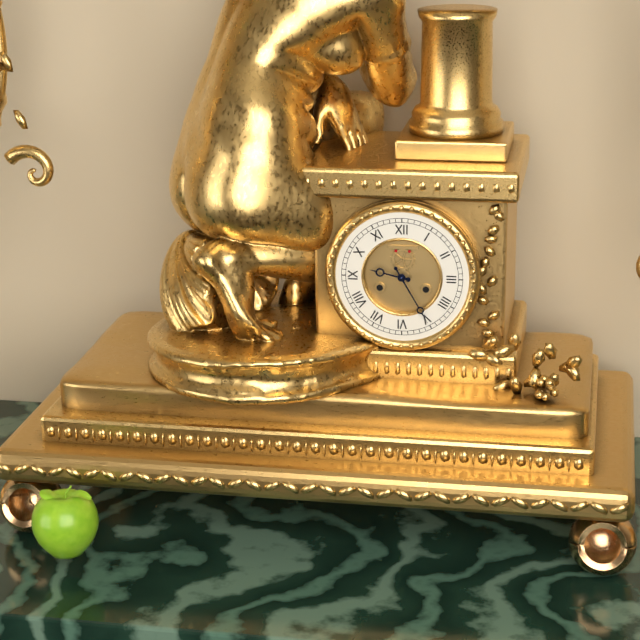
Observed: 9:25
